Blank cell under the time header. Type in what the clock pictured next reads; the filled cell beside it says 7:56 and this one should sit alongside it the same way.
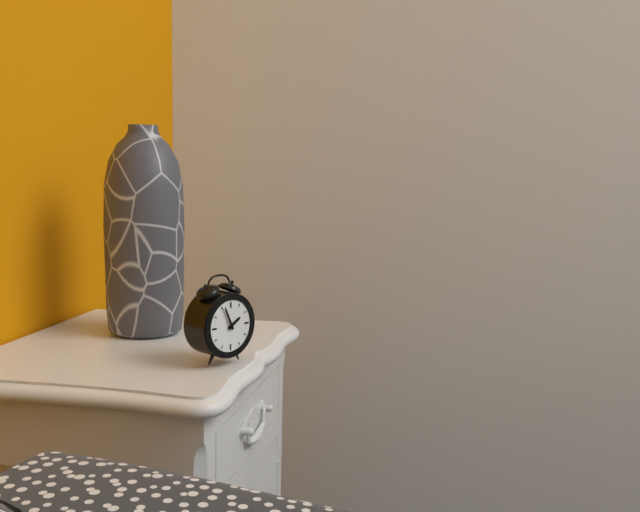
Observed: 1:56
